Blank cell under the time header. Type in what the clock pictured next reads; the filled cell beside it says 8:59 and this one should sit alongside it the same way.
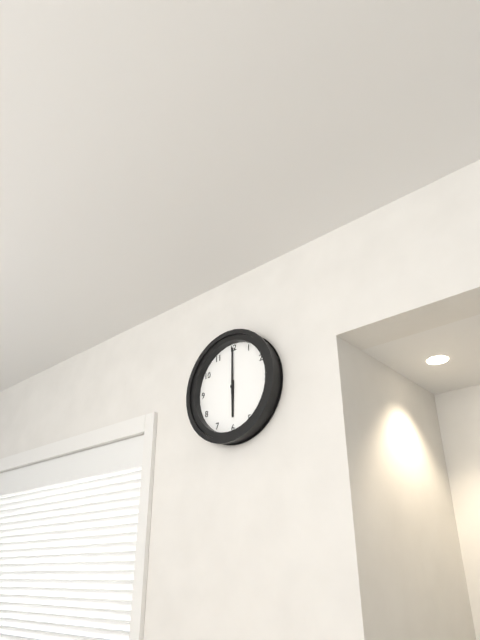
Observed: 6:00
